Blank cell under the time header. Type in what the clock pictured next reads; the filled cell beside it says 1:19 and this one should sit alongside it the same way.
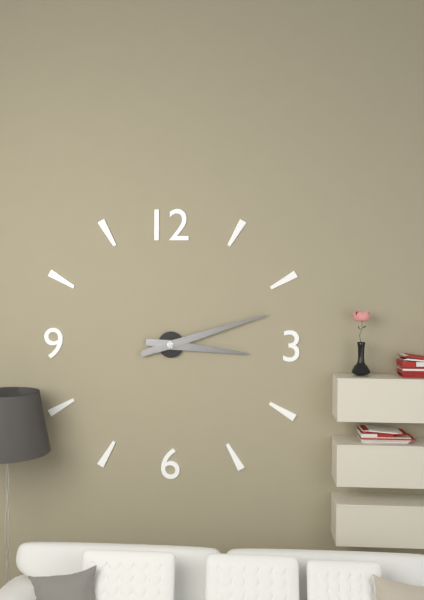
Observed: 3:12
